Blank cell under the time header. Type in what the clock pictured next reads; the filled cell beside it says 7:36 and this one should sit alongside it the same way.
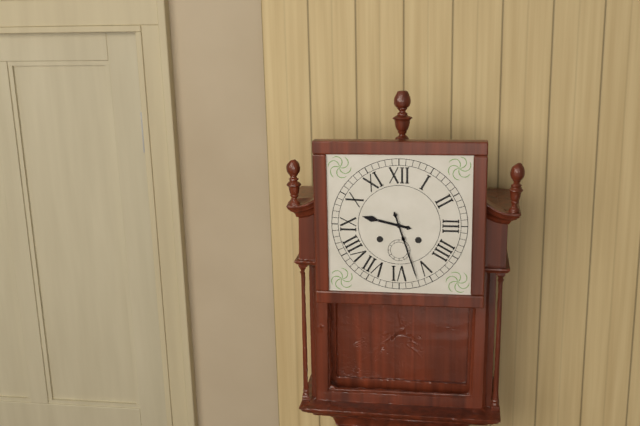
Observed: 9:27
